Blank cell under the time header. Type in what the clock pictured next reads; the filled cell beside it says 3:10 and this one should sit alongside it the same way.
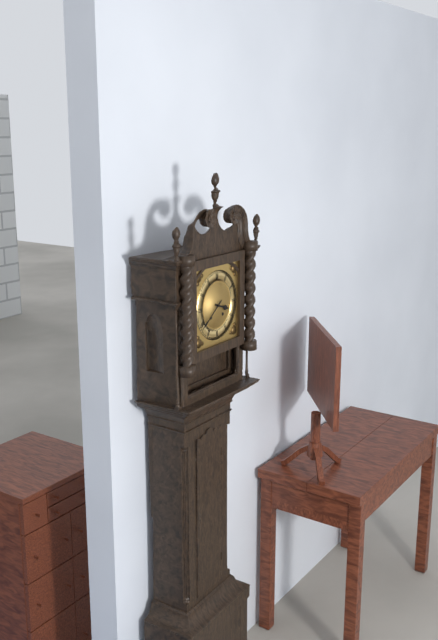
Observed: 3:39
